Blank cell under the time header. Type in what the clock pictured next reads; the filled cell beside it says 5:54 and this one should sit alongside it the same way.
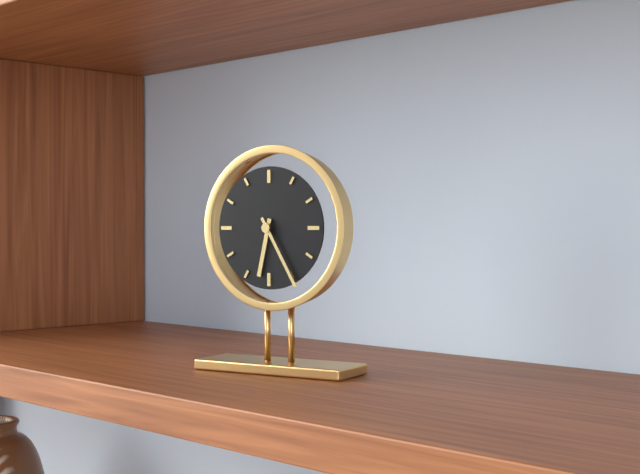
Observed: 6:25
